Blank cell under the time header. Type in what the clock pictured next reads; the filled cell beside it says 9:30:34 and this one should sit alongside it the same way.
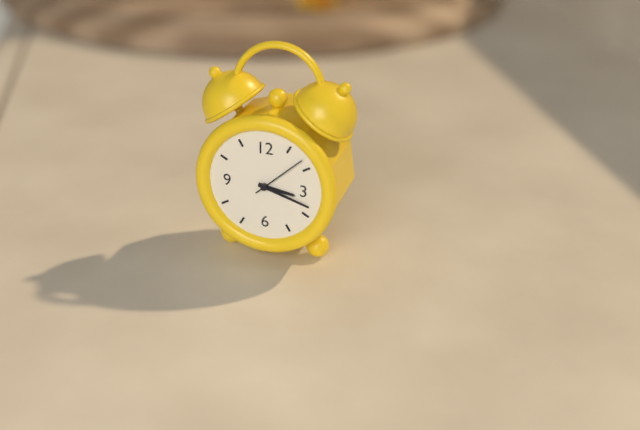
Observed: 3:18:08
